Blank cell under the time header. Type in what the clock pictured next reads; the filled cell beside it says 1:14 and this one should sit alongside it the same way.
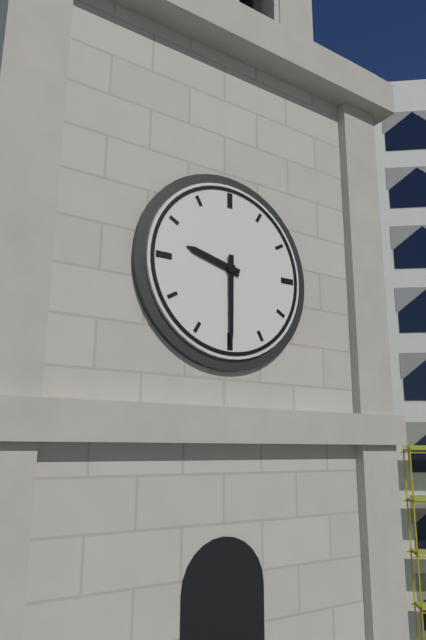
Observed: 9:30
